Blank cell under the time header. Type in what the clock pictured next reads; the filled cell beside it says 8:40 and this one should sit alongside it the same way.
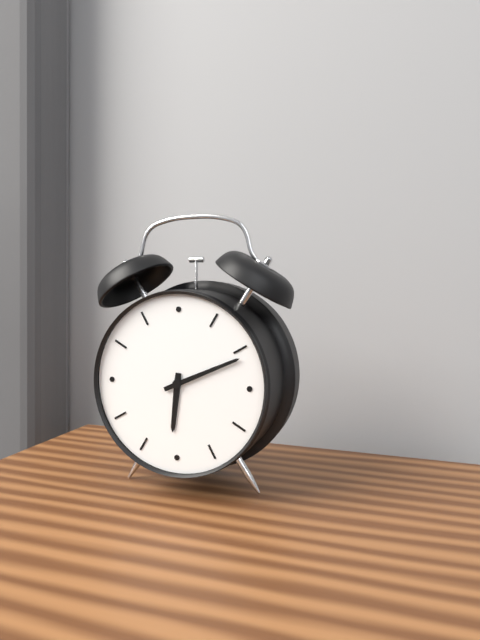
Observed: 6:11
